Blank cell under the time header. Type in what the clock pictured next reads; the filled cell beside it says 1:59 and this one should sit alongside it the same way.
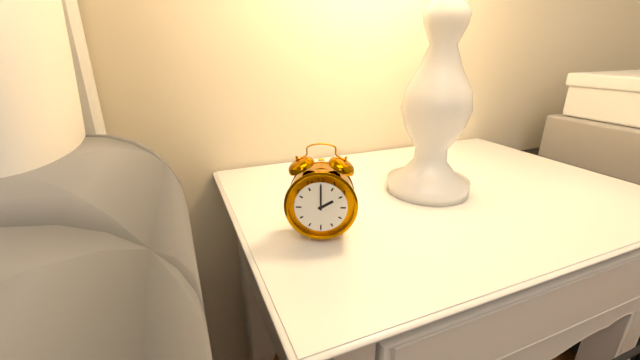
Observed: 2:00
